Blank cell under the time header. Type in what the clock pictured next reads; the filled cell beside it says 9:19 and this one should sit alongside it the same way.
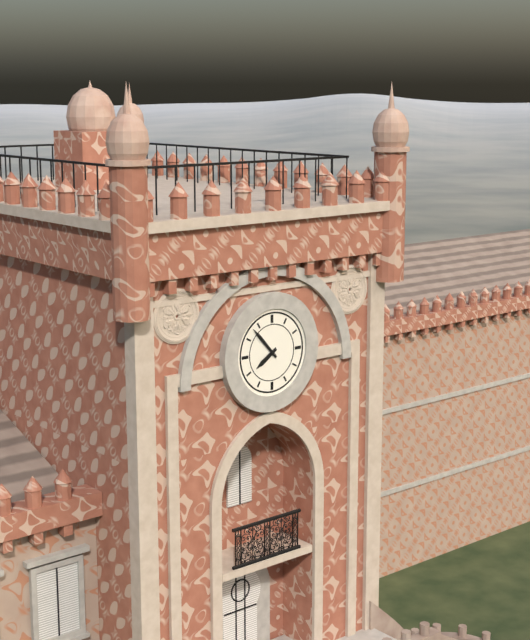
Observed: 7:53
